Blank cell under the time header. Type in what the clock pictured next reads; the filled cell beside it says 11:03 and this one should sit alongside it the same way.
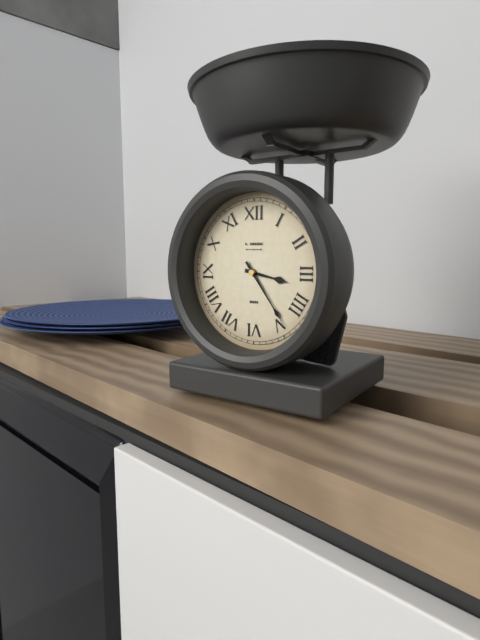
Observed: 3:24
